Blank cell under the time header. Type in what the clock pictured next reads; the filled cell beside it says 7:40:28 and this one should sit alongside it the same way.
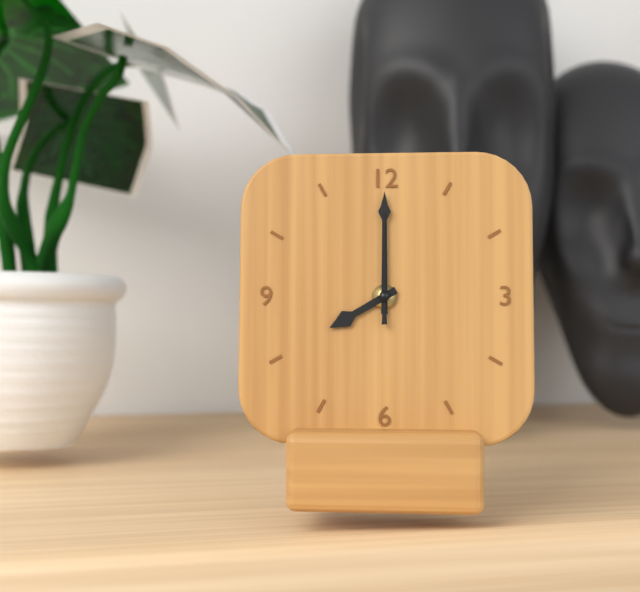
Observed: 8:00:00
